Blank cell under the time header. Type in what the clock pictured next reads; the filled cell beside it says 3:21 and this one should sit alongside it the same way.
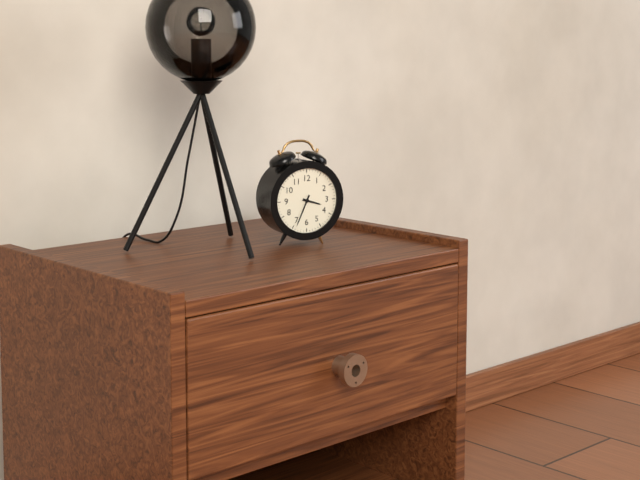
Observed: 3:34
